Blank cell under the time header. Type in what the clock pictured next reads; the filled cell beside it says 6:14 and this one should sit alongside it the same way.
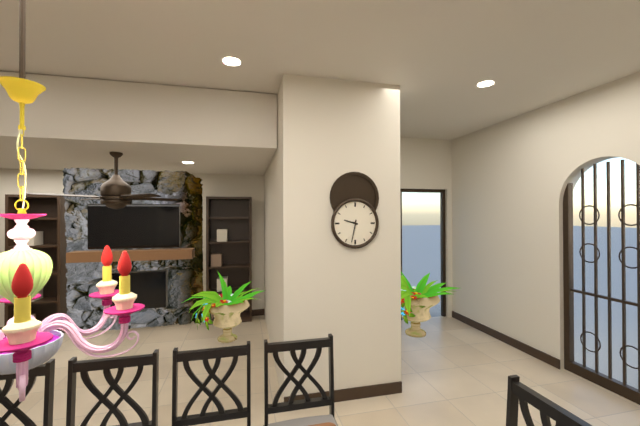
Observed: 9:32
